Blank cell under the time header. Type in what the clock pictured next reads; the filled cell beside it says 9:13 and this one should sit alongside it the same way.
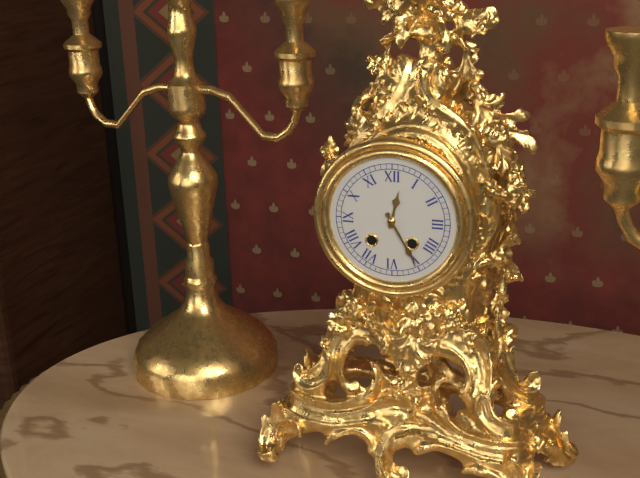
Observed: 12:25
